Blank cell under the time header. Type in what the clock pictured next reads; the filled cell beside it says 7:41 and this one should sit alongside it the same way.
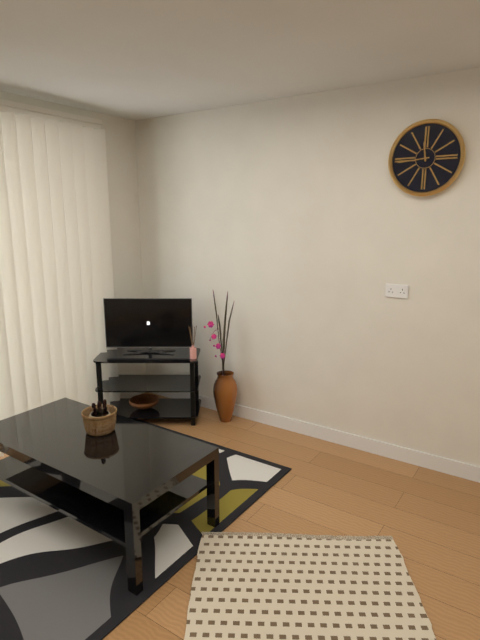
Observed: 11:44
